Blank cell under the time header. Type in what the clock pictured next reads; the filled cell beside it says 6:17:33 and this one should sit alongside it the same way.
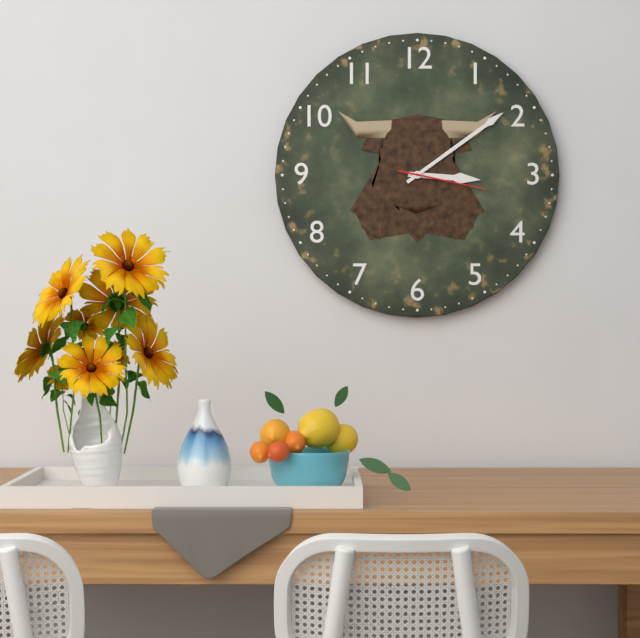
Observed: 3:09:17
